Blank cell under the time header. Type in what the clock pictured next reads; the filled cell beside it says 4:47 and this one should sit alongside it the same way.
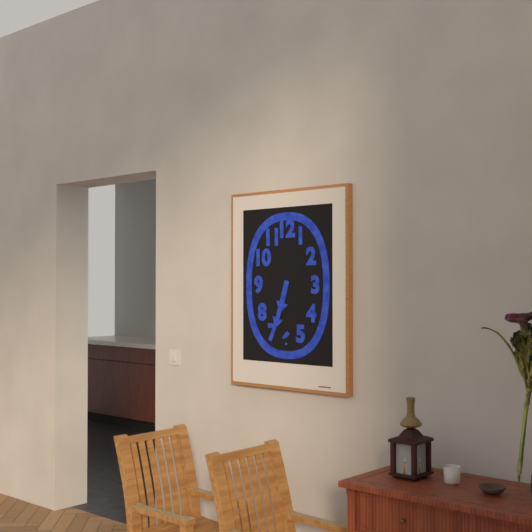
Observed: 6:33
